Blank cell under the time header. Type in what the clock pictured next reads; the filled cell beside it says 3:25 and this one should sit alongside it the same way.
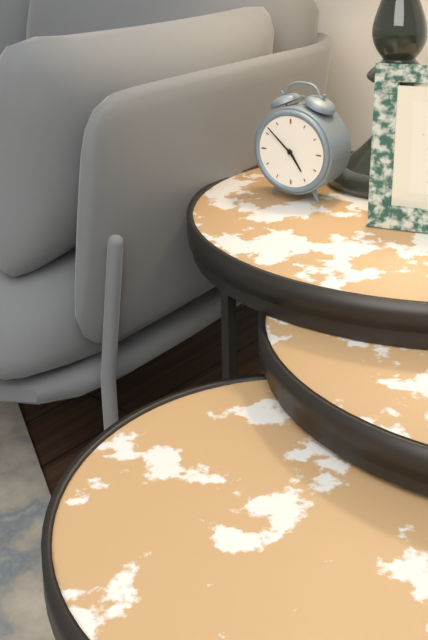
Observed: 4:52
